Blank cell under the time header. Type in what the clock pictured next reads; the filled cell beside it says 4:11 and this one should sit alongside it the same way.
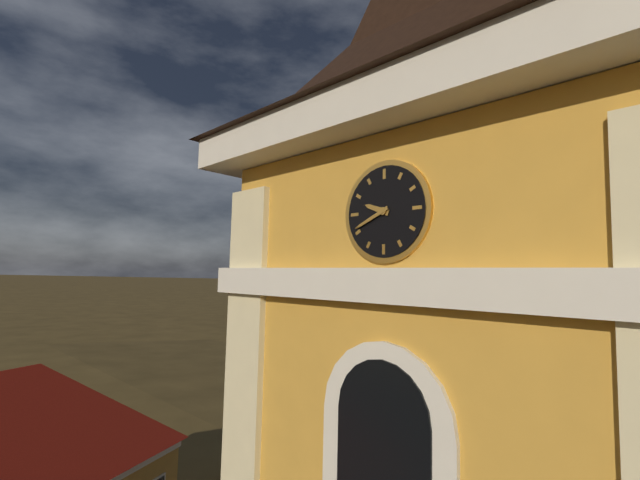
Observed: 9:41
